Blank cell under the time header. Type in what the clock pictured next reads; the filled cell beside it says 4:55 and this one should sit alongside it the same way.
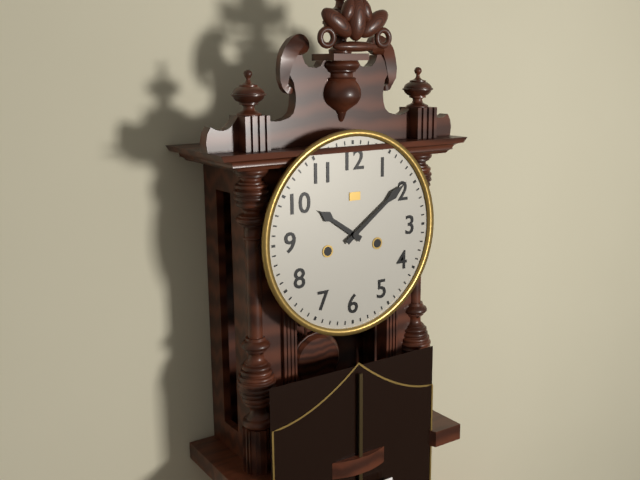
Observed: 10:09
